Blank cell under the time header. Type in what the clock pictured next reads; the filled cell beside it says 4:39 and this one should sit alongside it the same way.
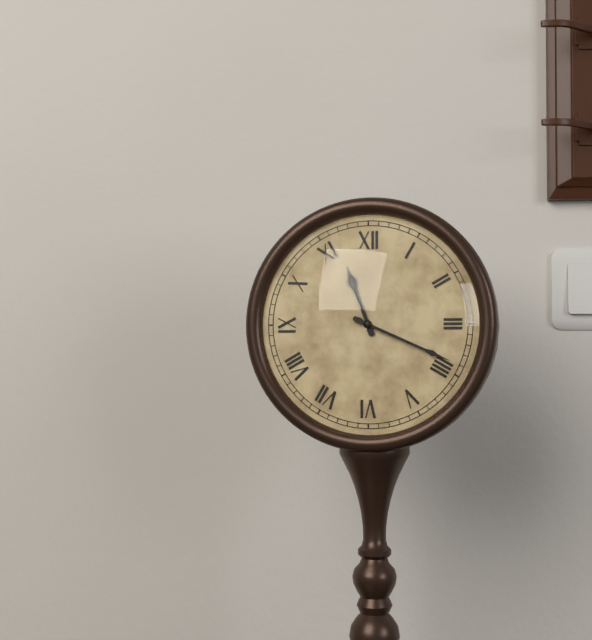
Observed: 11:19
